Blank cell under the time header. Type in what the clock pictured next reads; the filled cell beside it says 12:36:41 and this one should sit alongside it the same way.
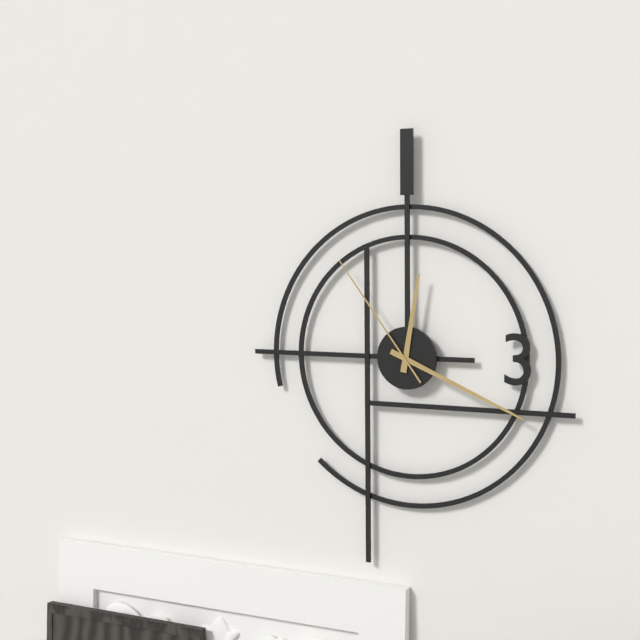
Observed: 12:19:54
